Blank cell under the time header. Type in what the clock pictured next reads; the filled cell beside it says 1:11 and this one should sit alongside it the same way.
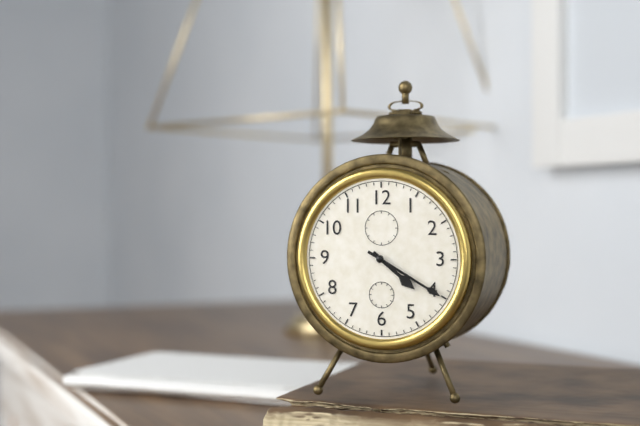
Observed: 4:20
